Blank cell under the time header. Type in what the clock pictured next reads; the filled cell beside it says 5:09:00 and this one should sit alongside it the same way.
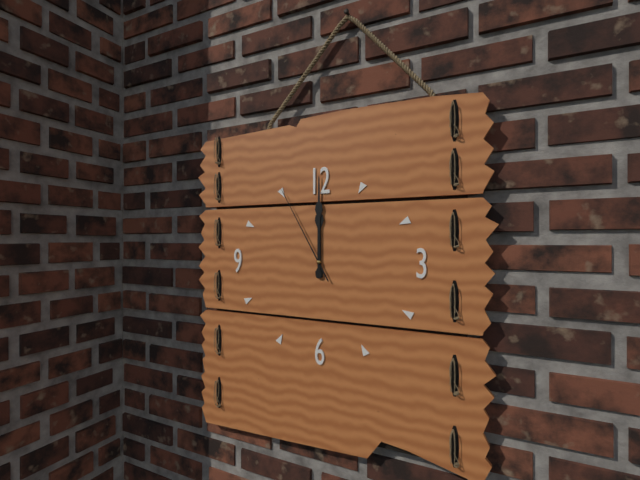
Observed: 12:00:55
